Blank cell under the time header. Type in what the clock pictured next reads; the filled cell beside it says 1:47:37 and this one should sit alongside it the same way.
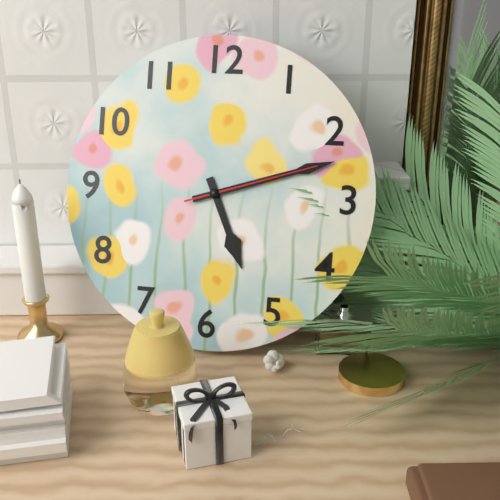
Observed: 5:12:12
